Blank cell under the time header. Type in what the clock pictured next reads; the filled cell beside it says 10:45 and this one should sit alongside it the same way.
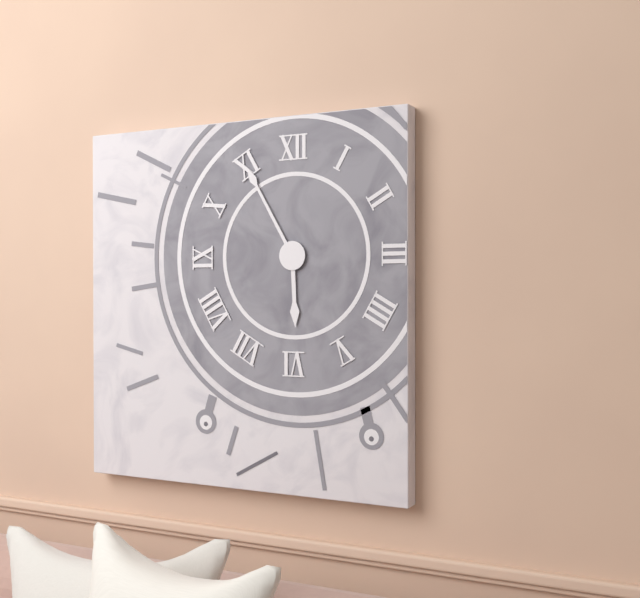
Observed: 5:55
